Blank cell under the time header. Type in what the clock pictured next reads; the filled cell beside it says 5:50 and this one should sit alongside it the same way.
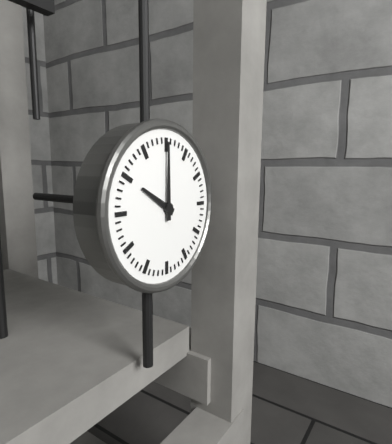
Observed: 10:00
